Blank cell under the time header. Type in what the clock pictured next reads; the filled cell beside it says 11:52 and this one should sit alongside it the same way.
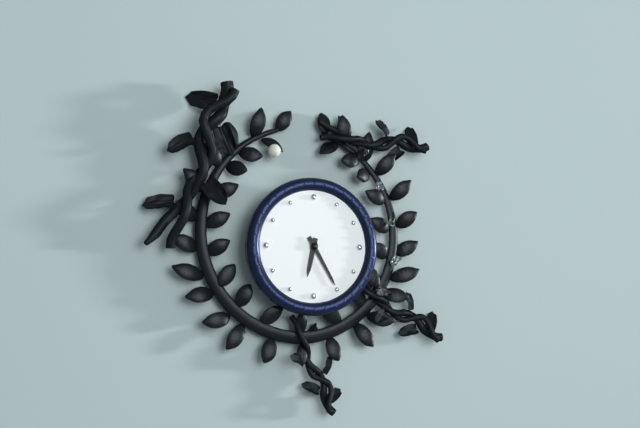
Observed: 6:25
